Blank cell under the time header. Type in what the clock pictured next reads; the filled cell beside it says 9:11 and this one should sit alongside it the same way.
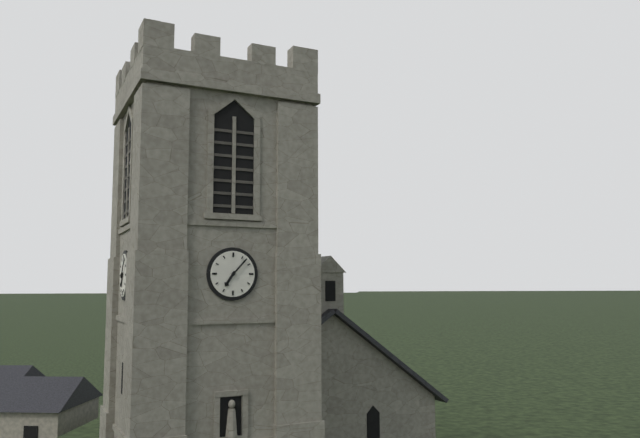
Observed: 7:07
